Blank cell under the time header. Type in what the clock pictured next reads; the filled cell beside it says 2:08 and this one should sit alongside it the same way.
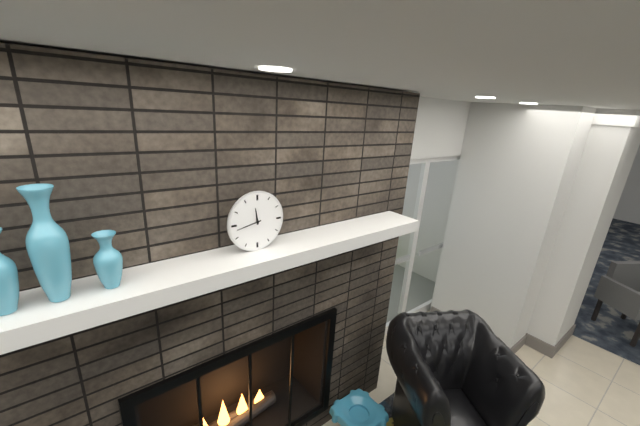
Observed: 11:43
